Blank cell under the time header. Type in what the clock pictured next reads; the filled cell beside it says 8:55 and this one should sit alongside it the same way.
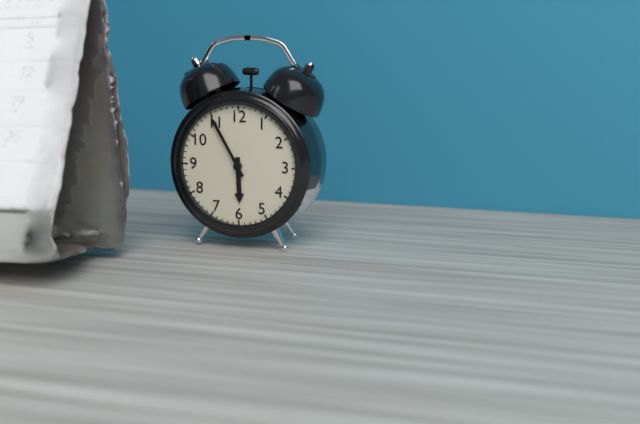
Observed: 5:55
